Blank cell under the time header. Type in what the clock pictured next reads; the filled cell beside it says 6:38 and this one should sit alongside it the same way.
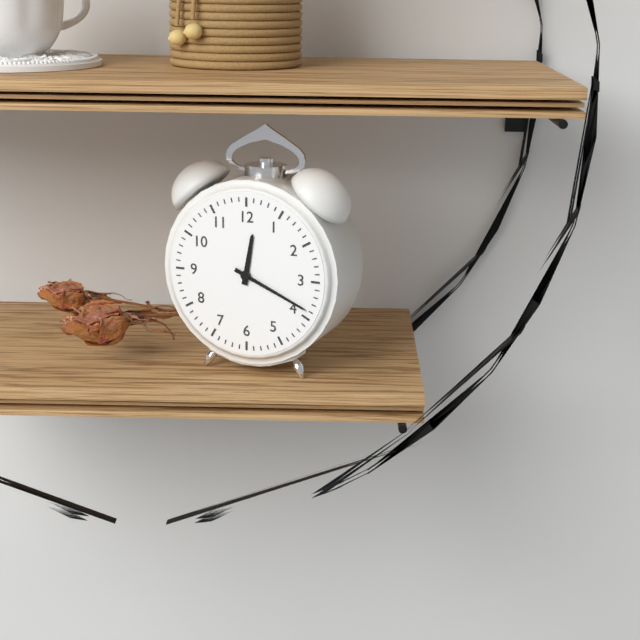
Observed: 12:19
